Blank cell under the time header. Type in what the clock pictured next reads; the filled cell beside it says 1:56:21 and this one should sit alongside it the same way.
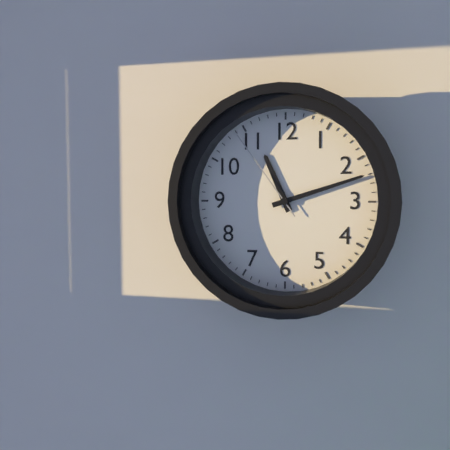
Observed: 11:12:54
